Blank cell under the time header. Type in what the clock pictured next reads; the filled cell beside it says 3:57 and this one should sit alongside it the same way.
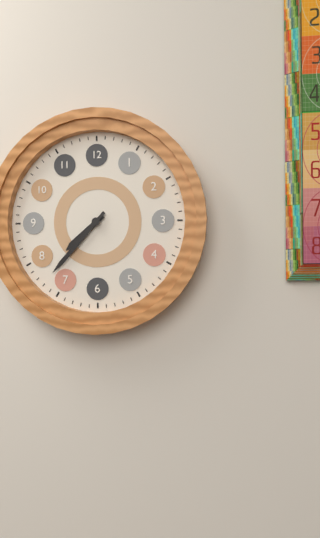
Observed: 7:37
